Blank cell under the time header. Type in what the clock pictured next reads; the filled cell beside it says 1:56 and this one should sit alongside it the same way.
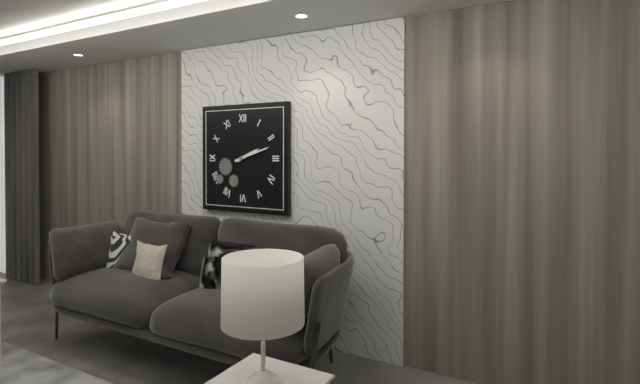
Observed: 2:12
